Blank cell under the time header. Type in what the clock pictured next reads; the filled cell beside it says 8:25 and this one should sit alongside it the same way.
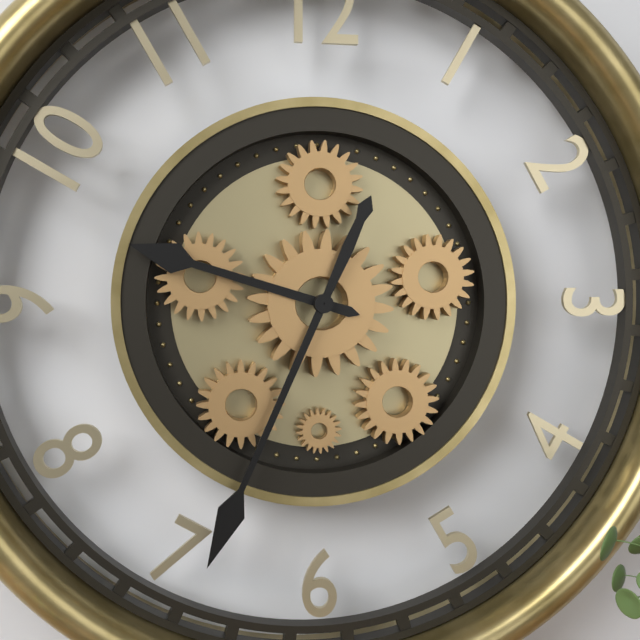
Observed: 9:34
